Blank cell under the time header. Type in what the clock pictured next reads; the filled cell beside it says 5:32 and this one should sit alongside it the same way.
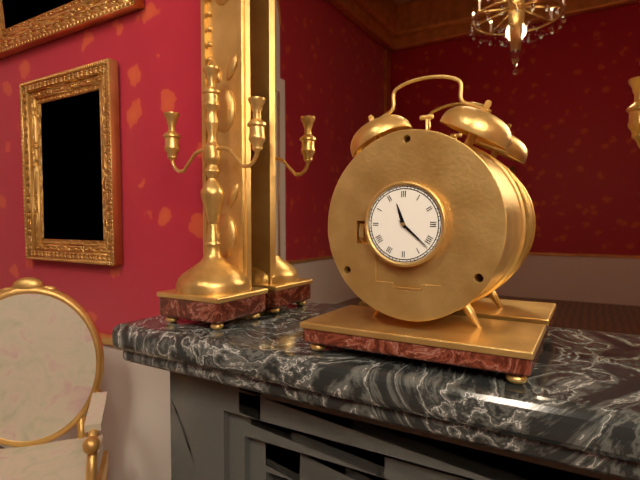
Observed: 11:22
